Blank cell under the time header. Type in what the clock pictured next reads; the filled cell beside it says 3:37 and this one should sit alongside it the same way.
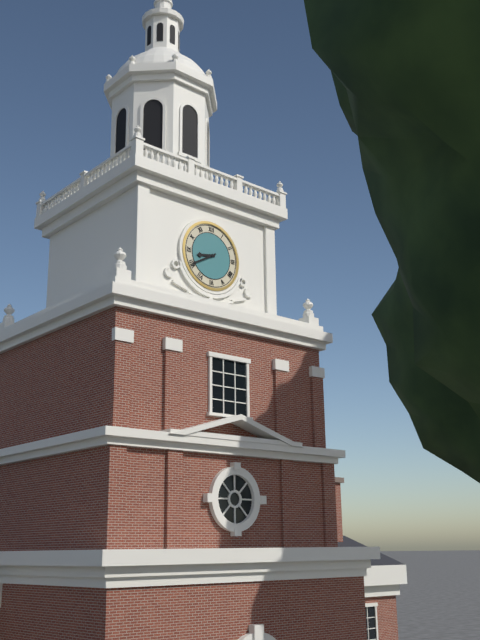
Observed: 8:40
